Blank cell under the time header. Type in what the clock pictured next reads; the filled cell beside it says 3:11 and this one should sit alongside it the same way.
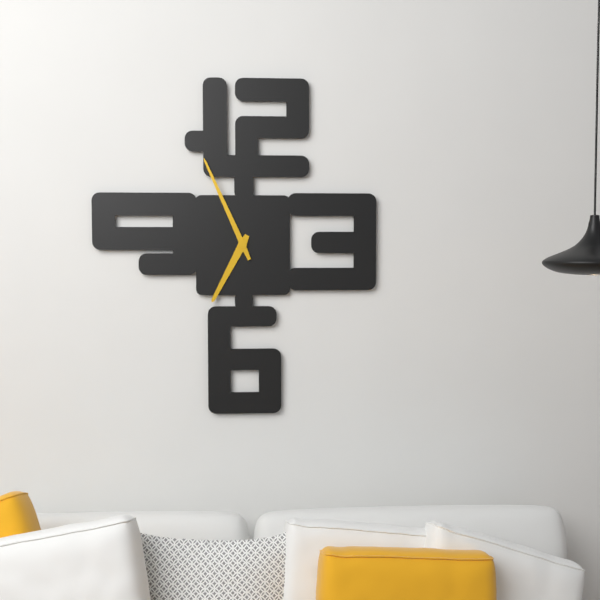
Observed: 6:56
